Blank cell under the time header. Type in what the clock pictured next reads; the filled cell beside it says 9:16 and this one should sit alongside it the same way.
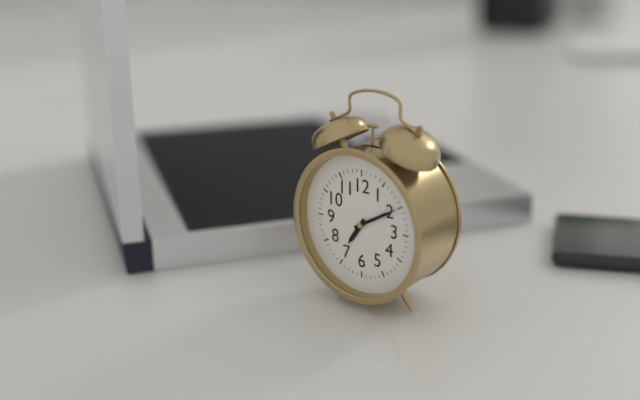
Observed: 7:10
